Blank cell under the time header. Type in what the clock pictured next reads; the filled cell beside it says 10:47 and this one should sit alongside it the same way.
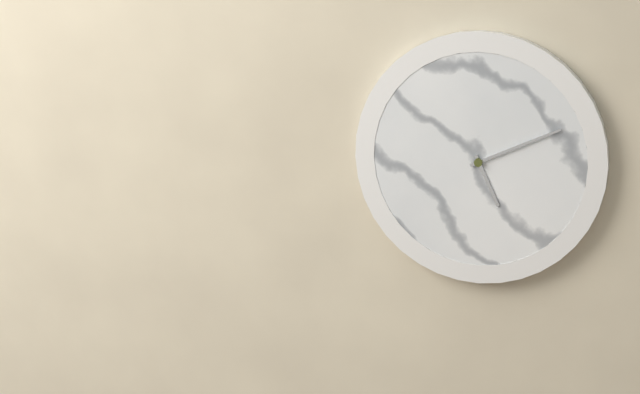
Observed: 5:11
